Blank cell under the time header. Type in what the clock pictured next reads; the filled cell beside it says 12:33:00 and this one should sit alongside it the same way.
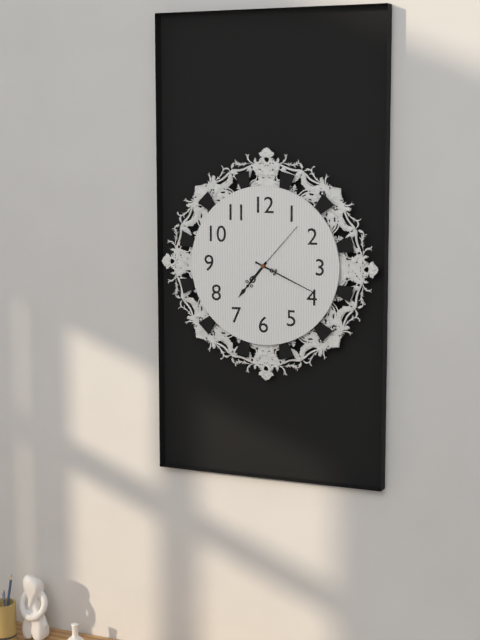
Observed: 7:19:07
